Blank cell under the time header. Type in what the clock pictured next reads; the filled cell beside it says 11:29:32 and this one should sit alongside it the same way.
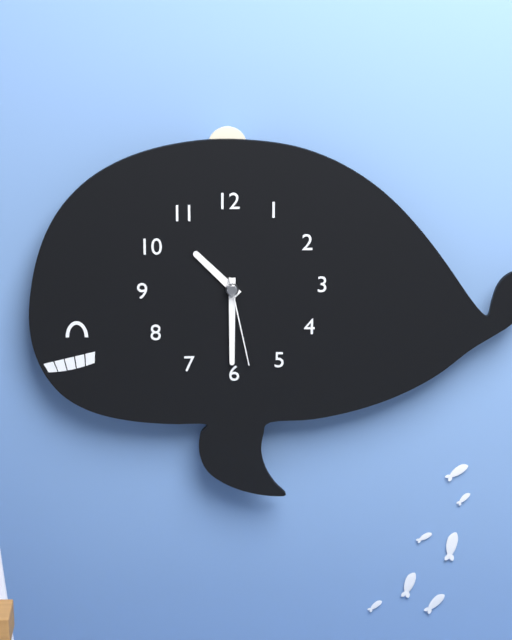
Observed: 10:30:28
